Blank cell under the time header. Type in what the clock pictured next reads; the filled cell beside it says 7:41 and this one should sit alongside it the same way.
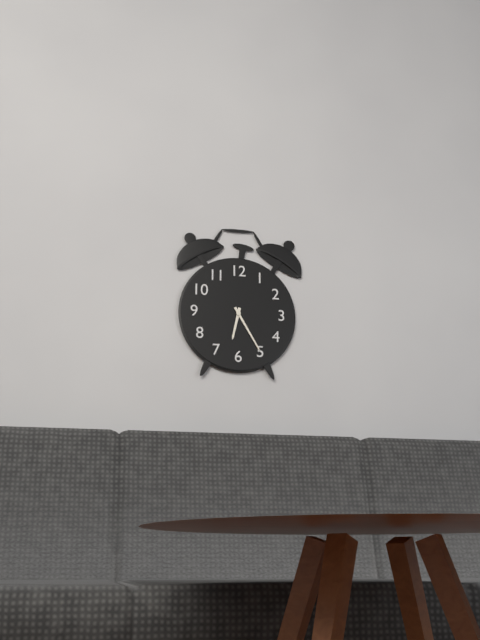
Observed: 6:25
